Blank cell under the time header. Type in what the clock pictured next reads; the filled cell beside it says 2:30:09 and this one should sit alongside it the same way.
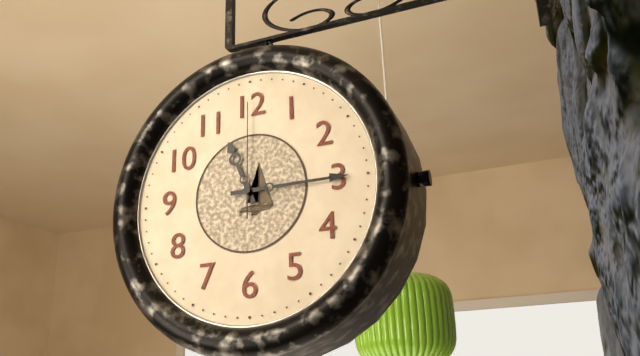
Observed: 11:15:00
